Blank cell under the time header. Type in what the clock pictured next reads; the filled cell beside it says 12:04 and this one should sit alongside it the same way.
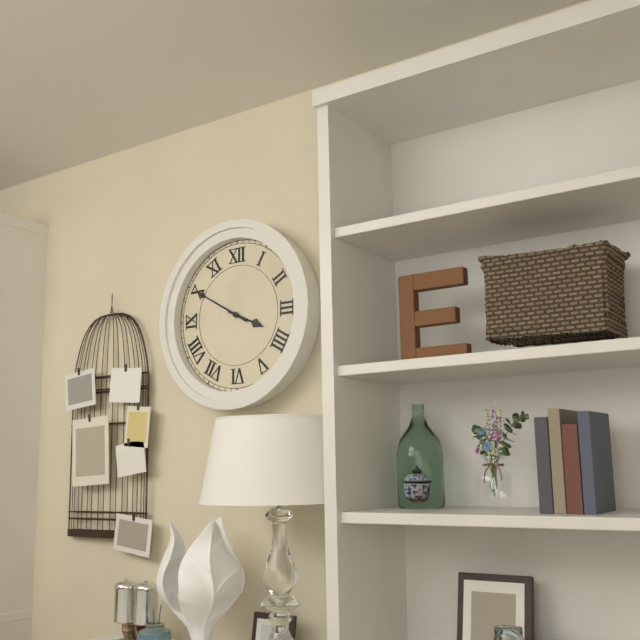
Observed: 3:50
